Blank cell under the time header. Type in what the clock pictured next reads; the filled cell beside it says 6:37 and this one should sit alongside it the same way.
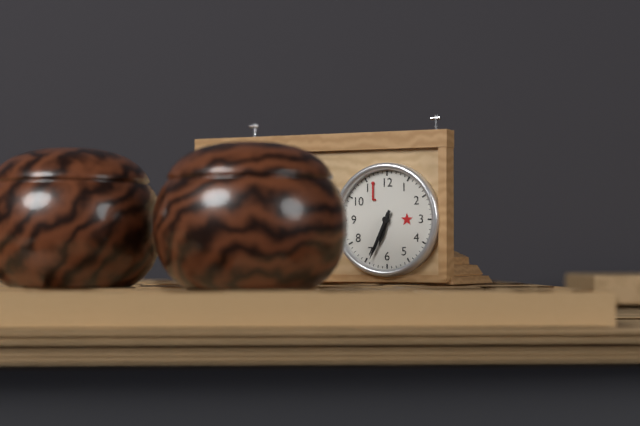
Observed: 6:34
